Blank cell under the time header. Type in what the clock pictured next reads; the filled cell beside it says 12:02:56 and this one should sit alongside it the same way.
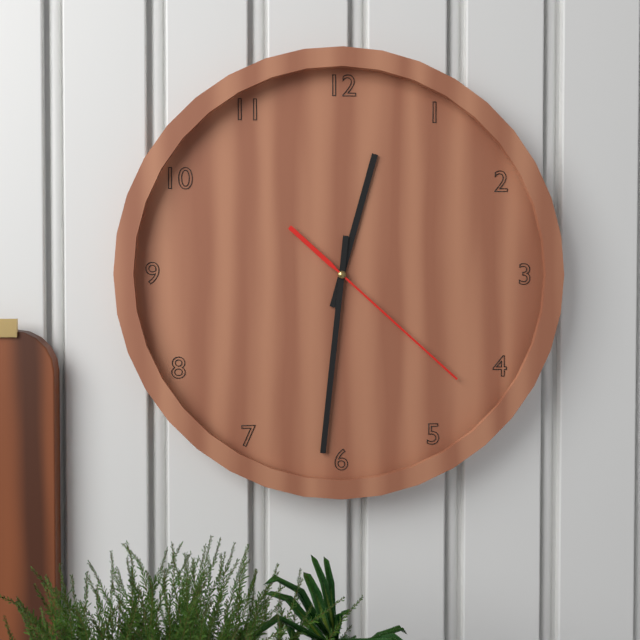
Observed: 12:31:22
